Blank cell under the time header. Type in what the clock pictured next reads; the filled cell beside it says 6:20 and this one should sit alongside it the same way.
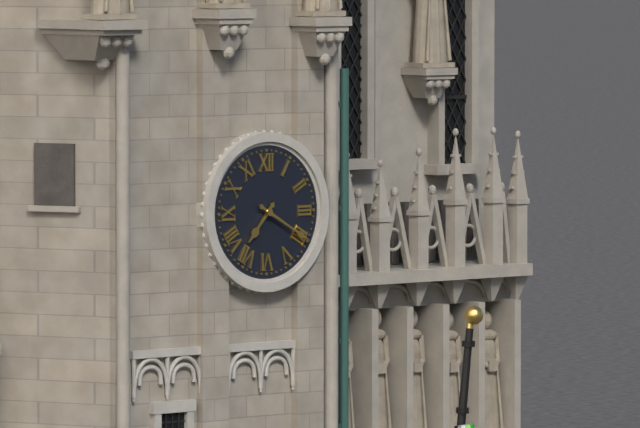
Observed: 7:20
